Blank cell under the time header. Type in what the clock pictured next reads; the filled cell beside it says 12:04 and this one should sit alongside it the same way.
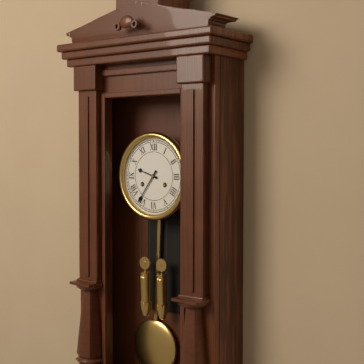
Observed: 9:36
